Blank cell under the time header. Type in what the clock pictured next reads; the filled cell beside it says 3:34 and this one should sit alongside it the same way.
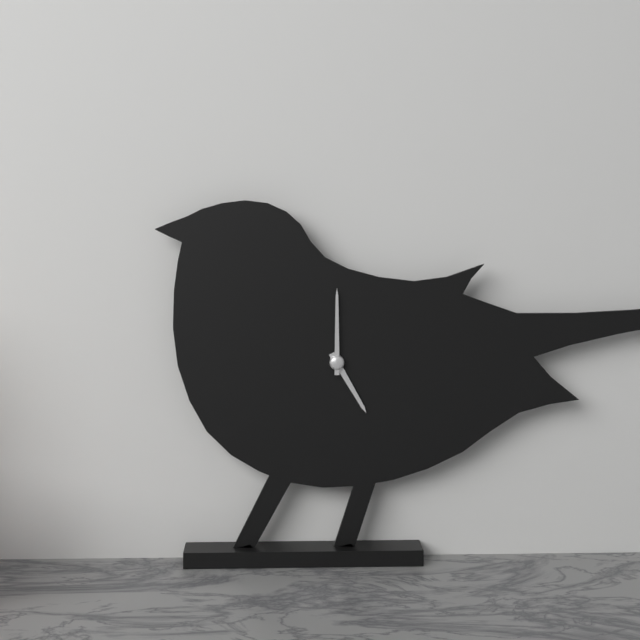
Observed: 5:00
